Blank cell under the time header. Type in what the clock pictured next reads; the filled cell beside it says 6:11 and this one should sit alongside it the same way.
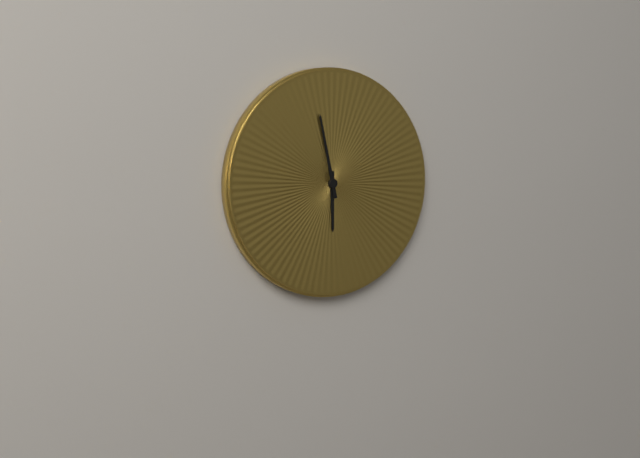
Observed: 5:58
